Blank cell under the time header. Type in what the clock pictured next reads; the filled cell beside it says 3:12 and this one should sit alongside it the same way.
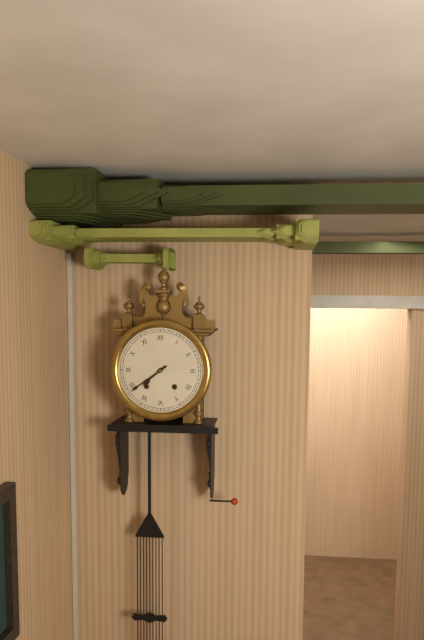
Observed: 7:39
